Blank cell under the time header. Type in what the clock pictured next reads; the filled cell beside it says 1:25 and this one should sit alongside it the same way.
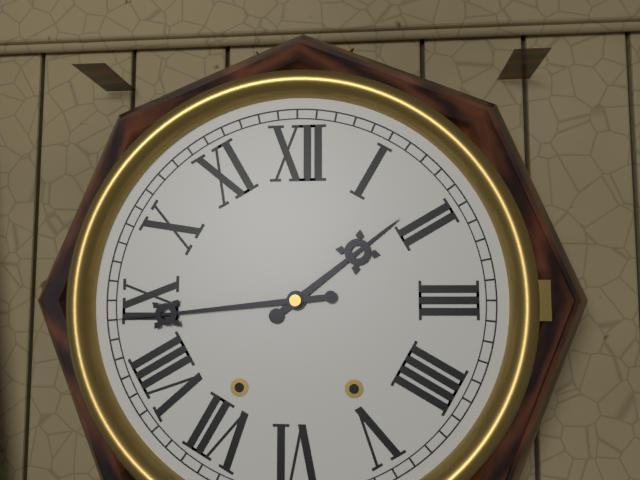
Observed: 1:44
